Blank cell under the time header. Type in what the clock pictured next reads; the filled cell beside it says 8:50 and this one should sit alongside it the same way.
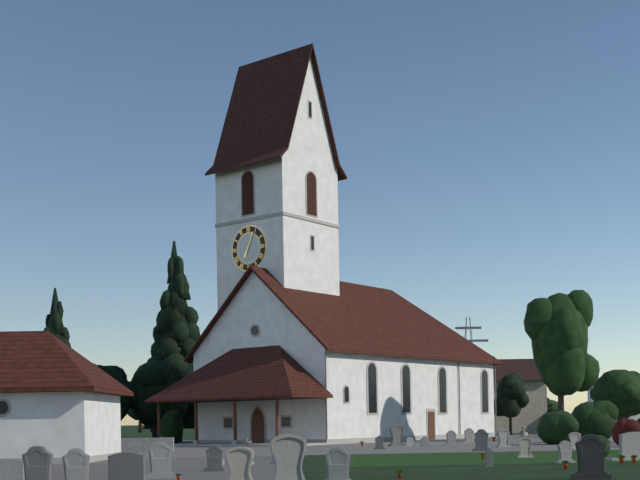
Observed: 7:04
